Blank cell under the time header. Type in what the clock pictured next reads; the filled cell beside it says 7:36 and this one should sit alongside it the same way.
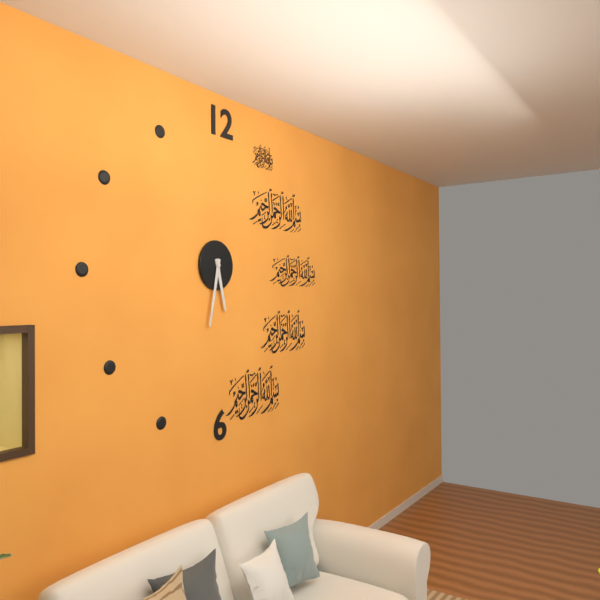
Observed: 5:32
